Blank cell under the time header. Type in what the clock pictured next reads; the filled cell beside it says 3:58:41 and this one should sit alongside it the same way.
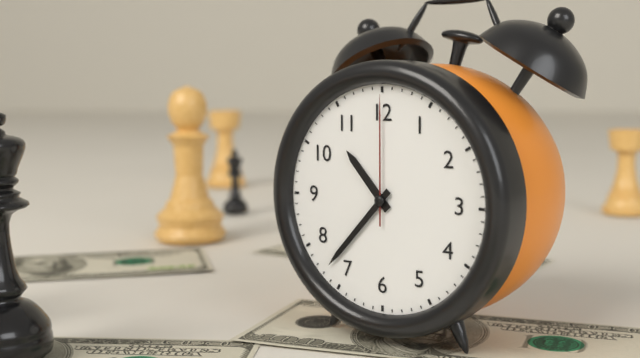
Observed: 10:37:00
